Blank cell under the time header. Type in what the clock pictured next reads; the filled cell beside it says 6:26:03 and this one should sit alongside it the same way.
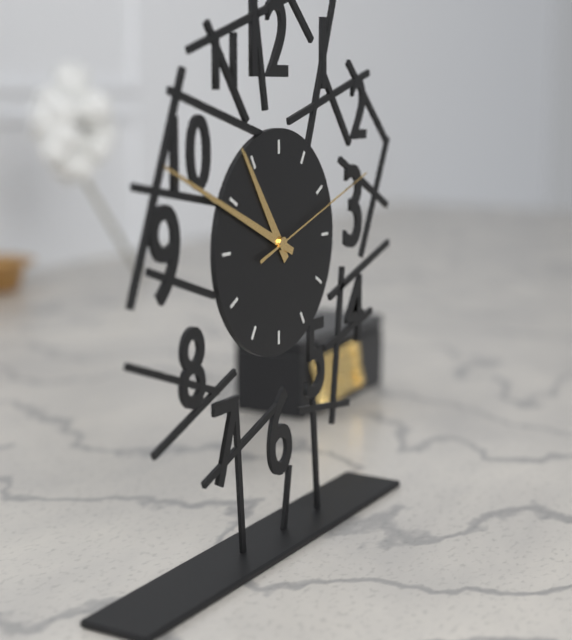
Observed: 10:49:12
